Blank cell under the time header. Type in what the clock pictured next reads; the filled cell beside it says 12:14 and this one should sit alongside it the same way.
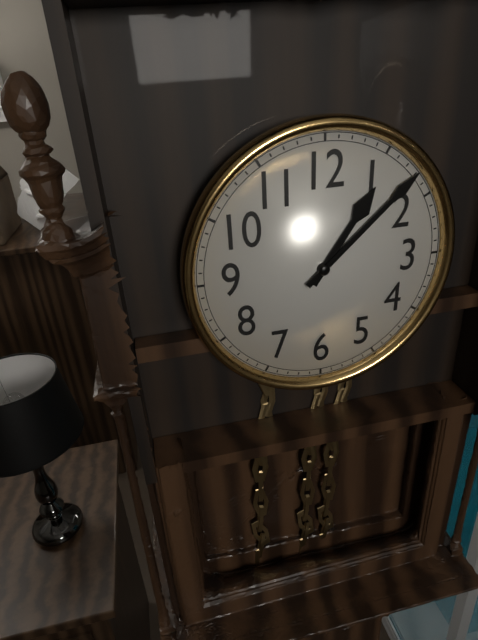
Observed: 1:08
